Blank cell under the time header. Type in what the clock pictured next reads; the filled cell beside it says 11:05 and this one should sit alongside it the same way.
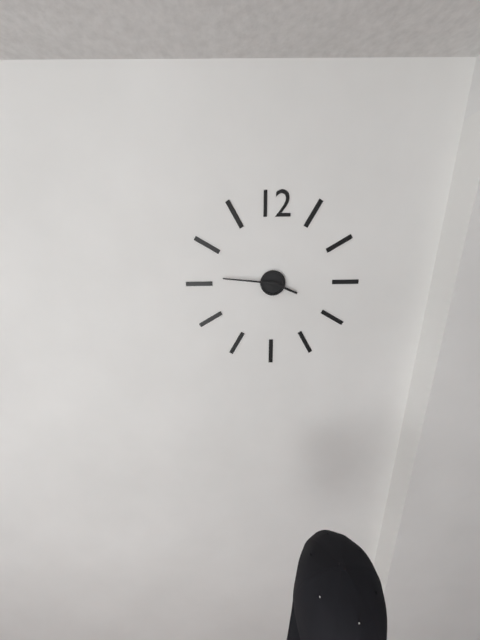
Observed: 3:46
